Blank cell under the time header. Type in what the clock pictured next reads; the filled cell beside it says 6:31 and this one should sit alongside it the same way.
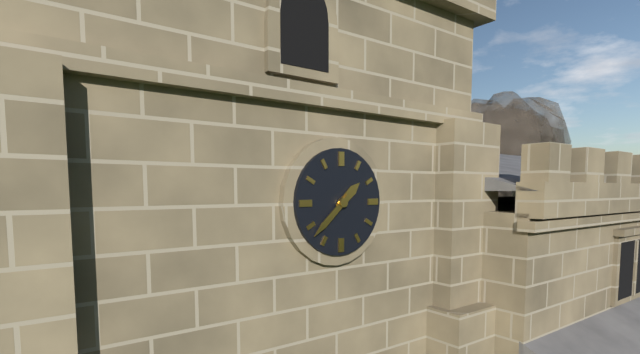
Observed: 1:38
